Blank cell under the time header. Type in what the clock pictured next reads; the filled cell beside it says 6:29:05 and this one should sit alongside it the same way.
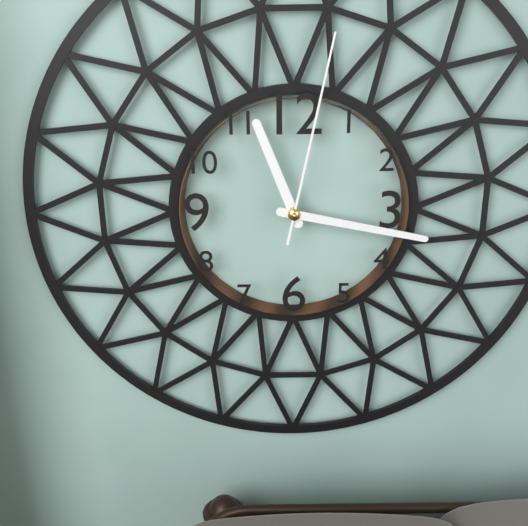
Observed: 11:17:02
